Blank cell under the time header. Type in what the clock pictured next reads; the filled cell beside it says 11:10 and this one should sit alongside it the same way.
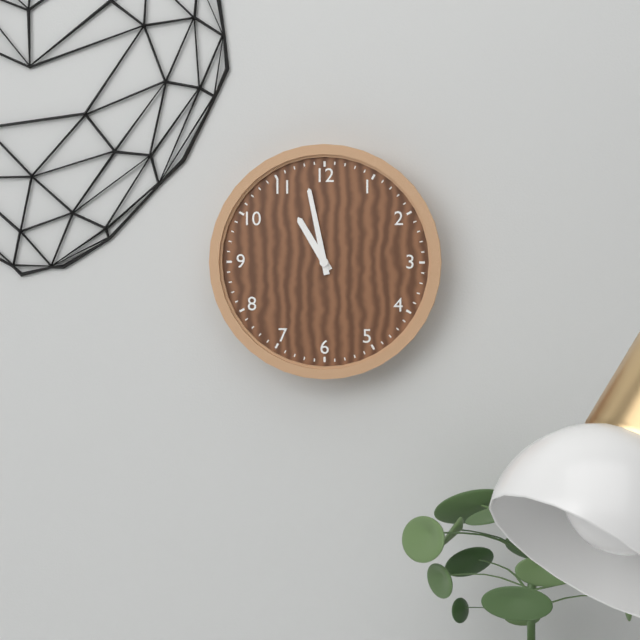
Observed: 10:58
